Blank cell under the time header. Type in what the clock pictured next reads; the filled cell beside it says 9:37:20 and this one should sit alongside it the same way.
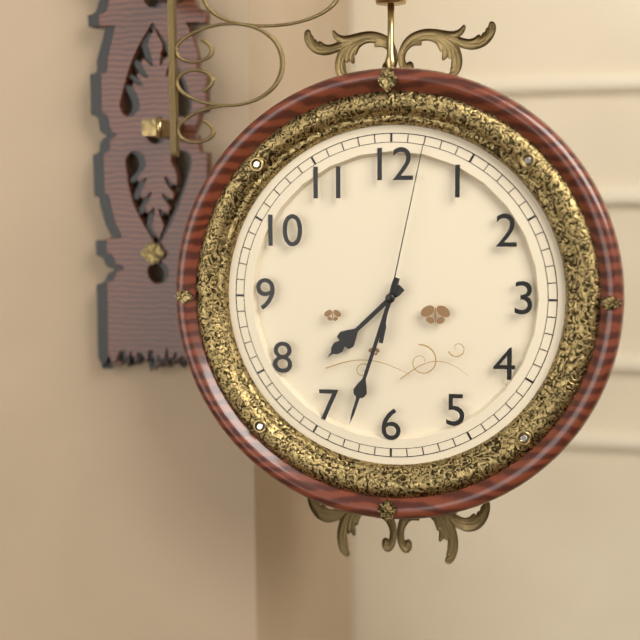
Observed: 7:33:02
